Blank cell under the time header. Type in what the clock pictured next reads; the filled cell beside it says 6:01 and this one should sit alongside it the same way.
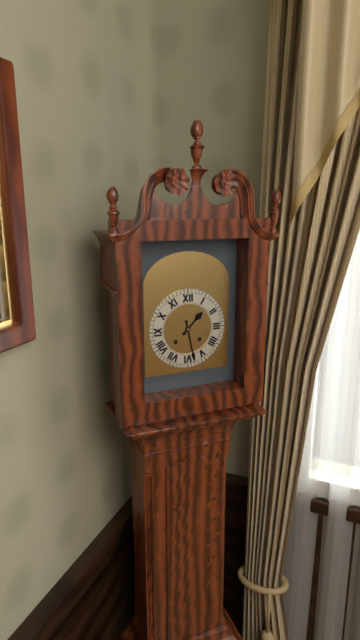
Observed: 1:28
